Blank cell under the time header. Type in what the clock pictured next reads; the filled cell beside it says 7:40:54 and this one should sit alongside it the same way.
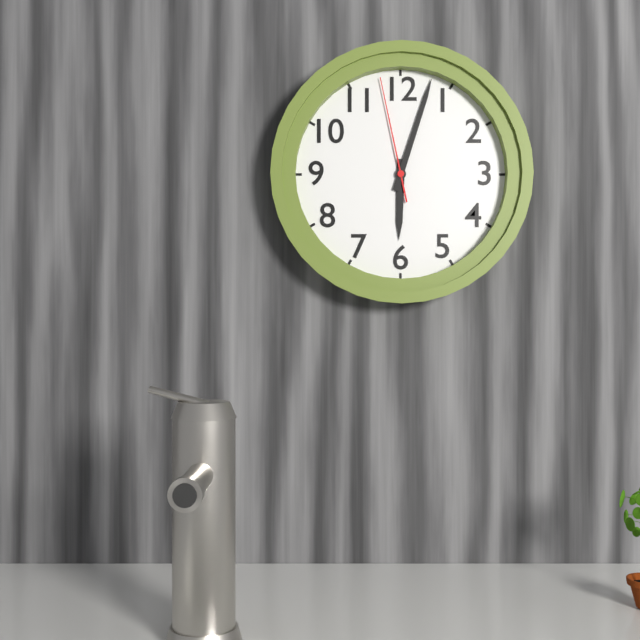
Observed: 6:03:58
